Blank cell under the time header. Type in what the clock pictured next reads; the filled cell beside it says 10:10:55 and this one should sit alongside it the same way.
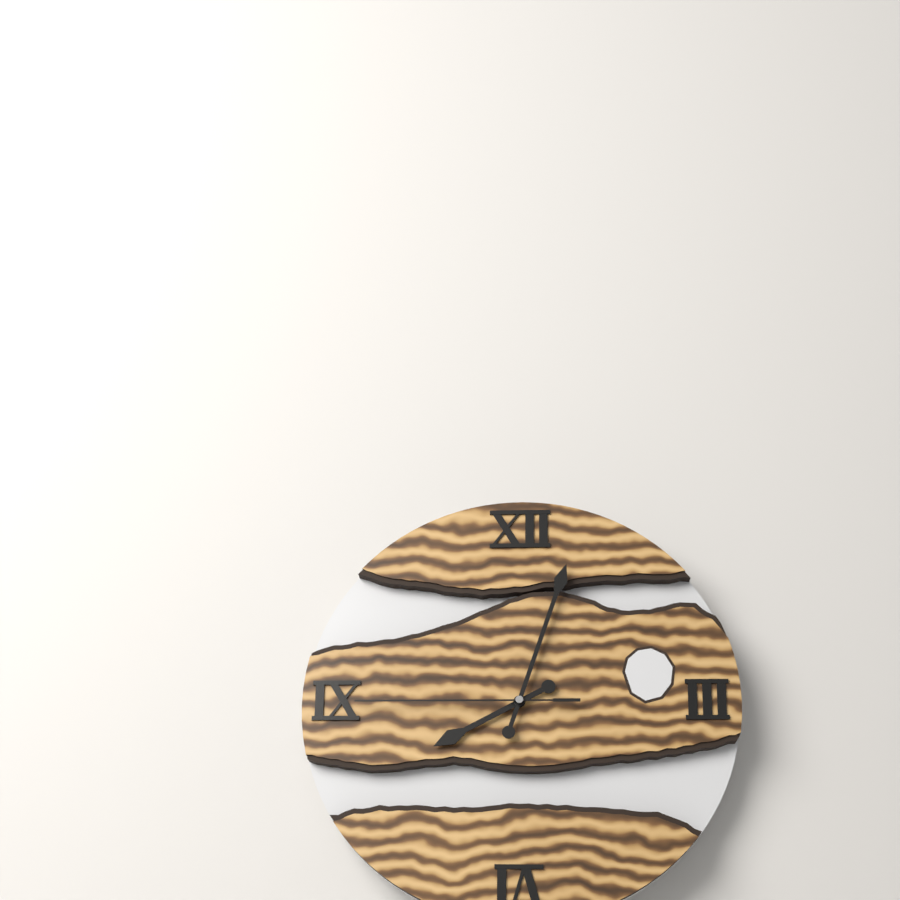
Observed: 8:03:45
